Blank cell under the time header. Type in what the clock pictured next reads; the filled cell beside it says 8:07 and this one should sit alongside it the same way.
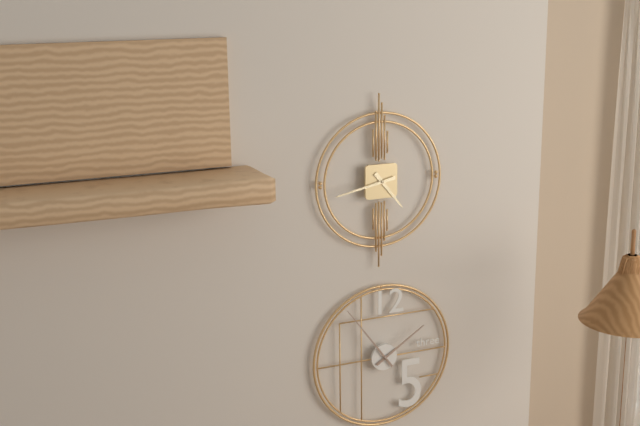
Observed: 4:43
